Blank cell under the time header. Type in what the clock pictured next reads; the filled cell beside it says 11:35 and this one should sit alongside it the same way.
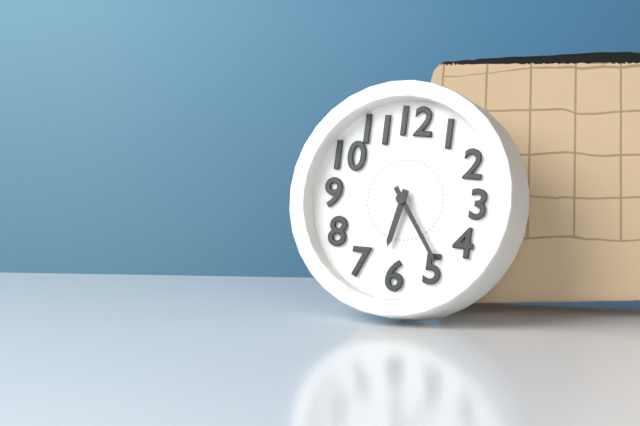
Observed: 6:24
